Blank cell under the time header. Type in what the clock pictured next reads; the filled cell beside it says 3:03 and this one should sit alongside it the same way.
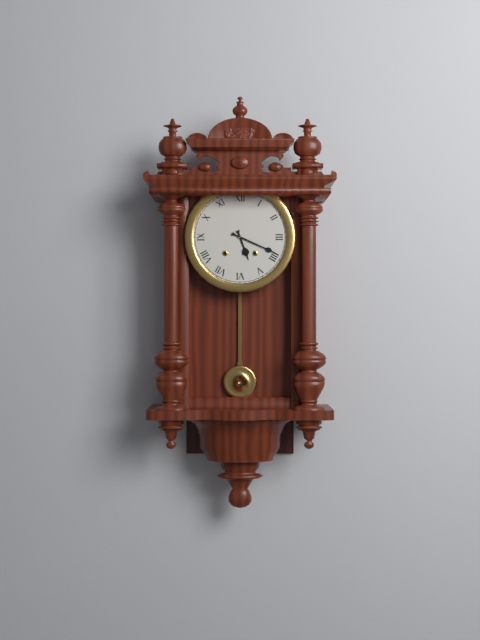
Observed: 5:19
